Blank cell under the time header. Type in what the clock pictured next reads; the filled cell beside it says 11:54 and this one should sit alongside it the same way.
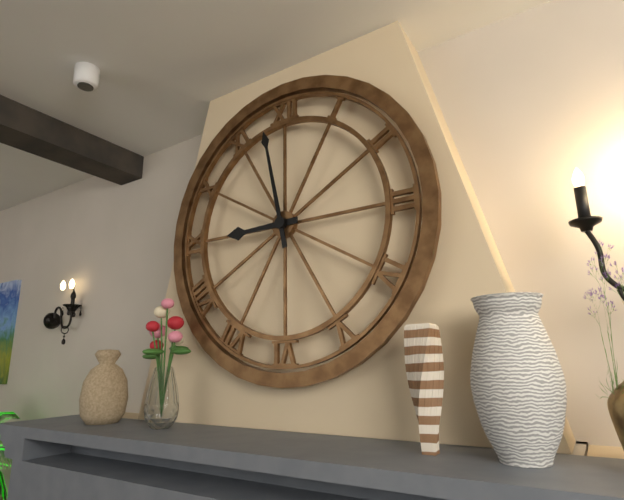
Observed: 8:58
